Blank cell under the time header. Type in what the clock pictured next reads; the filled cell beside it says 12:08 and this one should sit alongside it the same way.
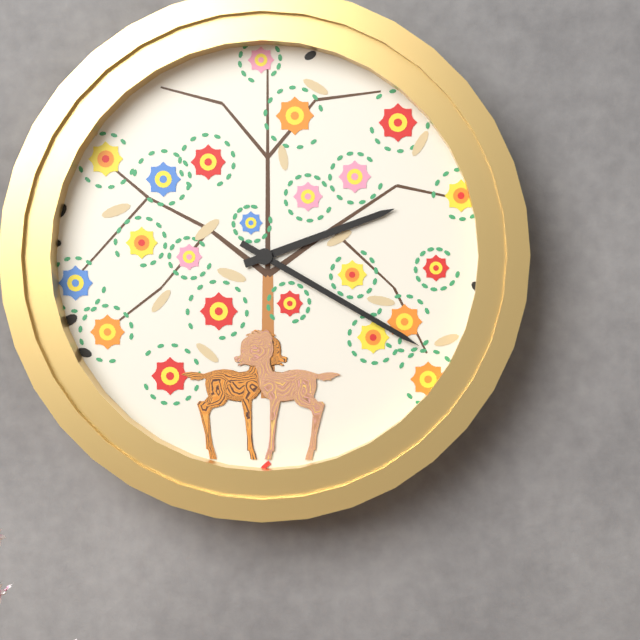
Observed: 2:20
